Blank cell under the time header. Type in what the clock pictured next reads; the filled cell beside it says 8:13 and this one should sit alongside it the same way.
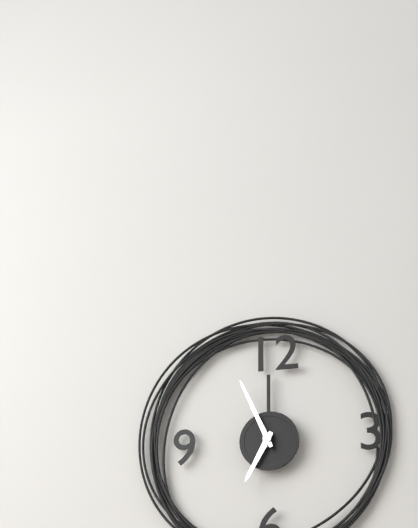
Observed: 6:56
